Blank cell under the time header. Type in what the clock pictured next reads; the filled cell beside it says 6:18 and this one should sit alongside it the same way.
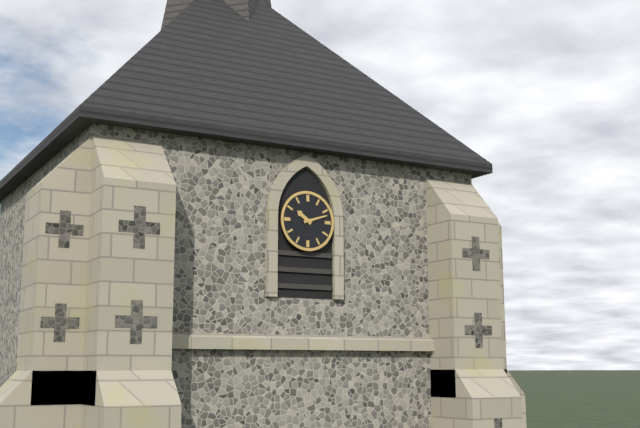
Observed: 10:12
